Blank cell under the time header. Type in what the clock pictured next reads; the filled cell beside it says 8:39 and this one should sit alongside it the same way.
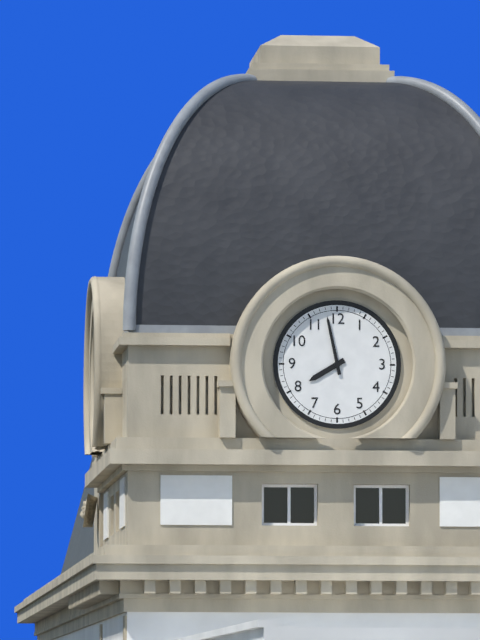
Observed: 7:58
